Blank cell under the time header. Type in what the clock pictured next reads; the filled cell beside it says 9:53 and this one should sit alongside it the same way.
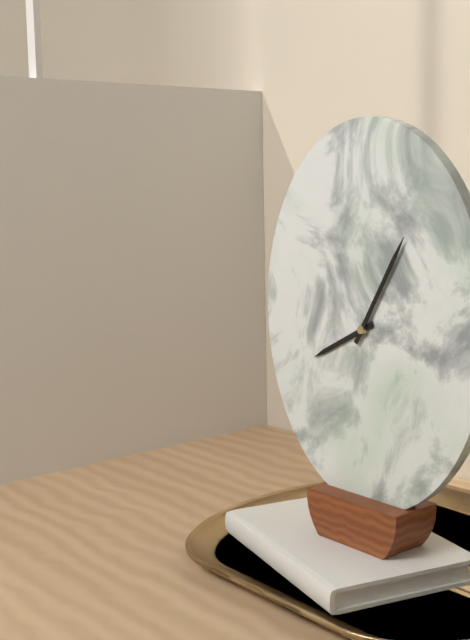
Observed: 8:05
